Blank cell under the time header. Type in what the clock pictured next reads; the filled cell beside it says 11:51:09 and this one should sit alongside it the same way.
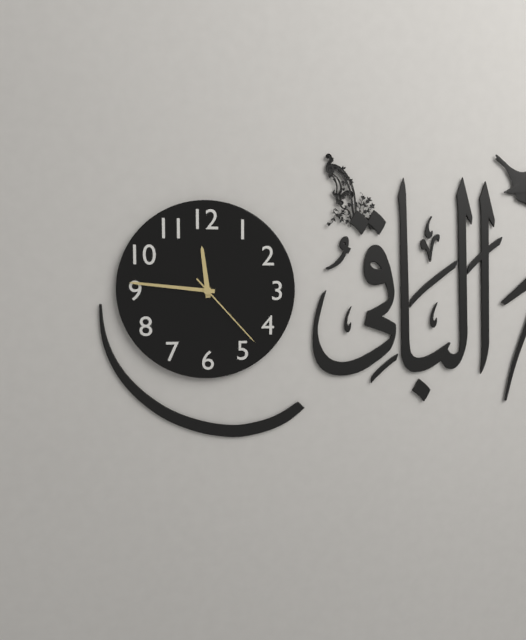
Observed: 11:46:23
